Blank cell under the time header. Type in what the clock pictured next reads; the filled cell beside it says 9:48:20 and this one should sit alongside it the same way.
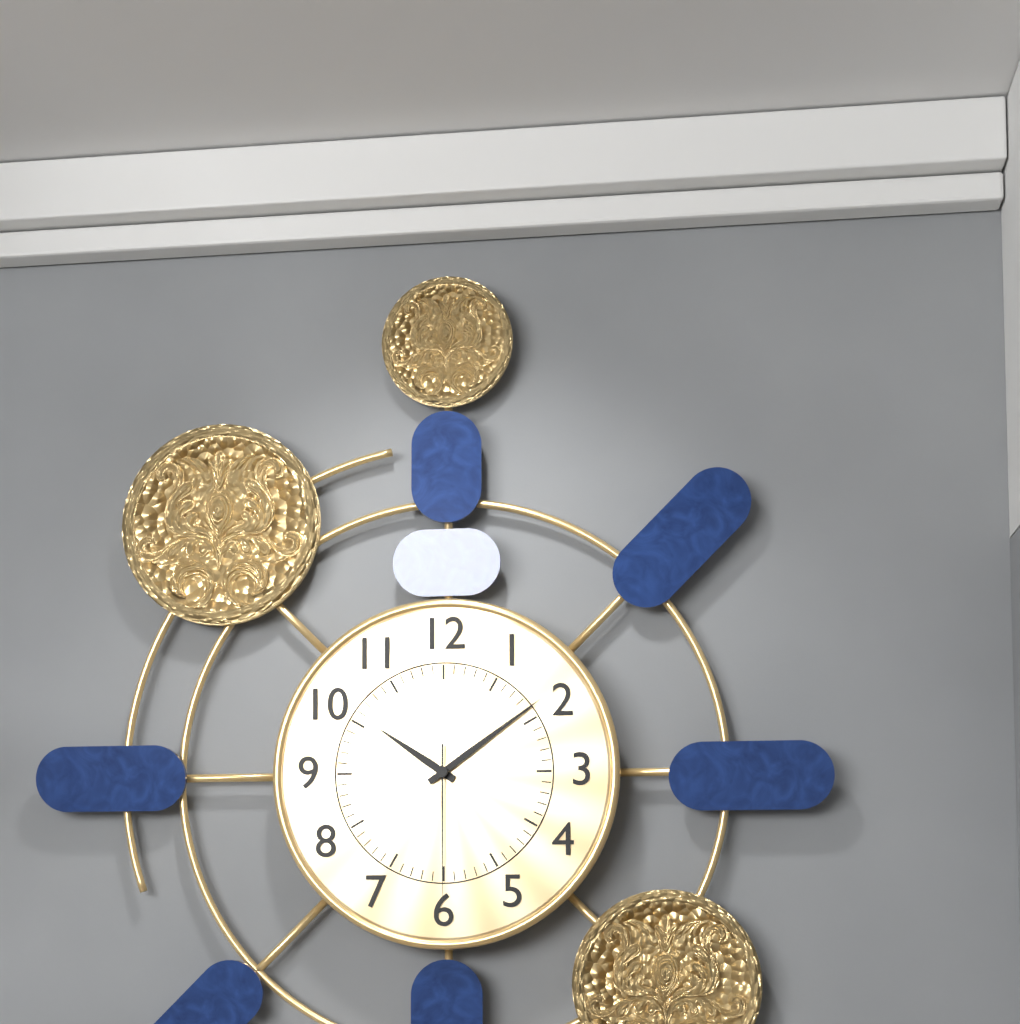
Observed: 10:09:30
